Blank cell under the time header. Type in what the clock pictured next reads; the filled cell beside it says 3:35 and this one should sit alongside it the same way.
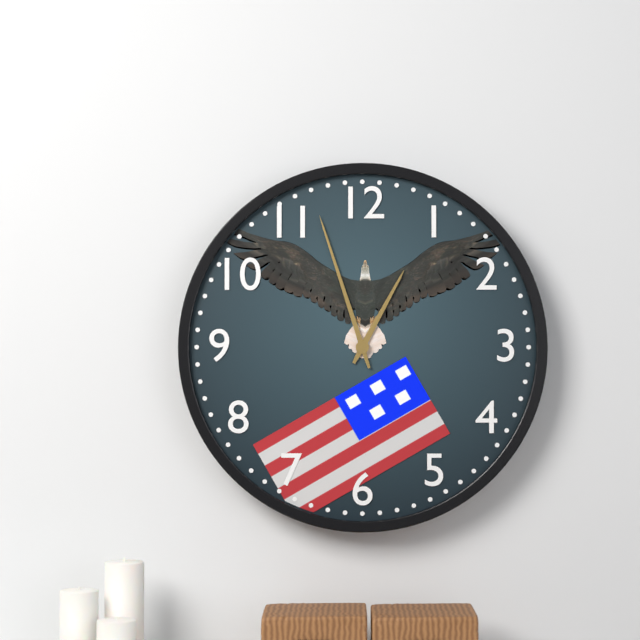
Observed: 12:57
